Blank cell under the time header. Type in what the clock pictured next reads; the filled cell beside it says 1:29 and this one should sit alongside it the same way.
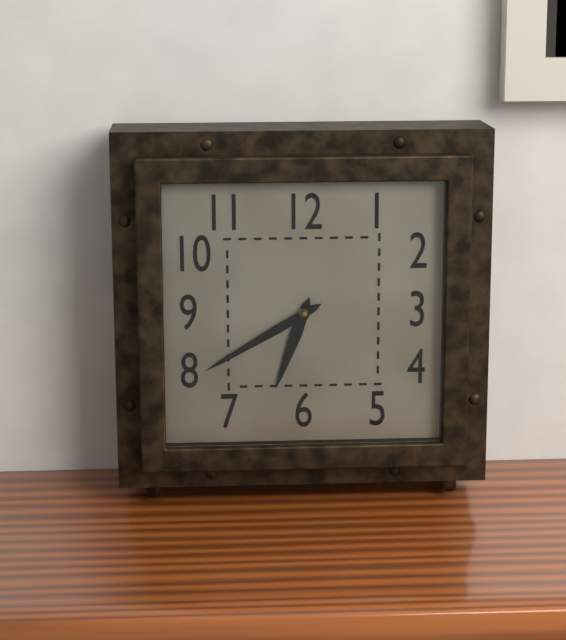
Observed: 6:40
